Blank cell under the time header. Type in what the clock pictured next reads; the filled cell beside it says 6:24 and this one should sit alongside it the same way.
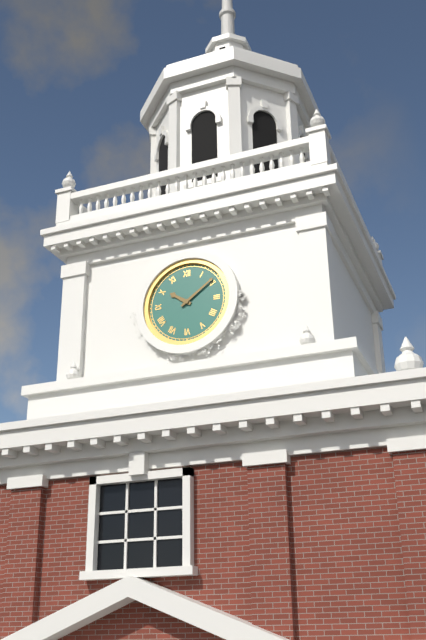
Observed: 10:09
